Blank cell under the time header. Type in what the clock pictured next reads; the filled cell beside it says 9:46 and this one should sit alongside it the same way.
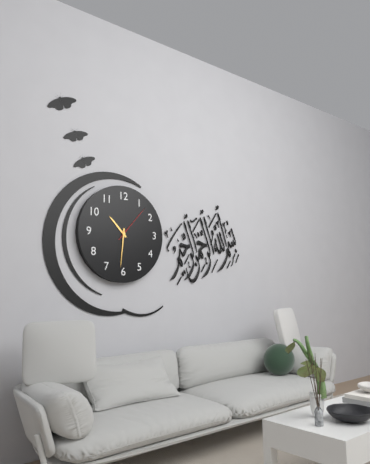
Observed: 10:31
